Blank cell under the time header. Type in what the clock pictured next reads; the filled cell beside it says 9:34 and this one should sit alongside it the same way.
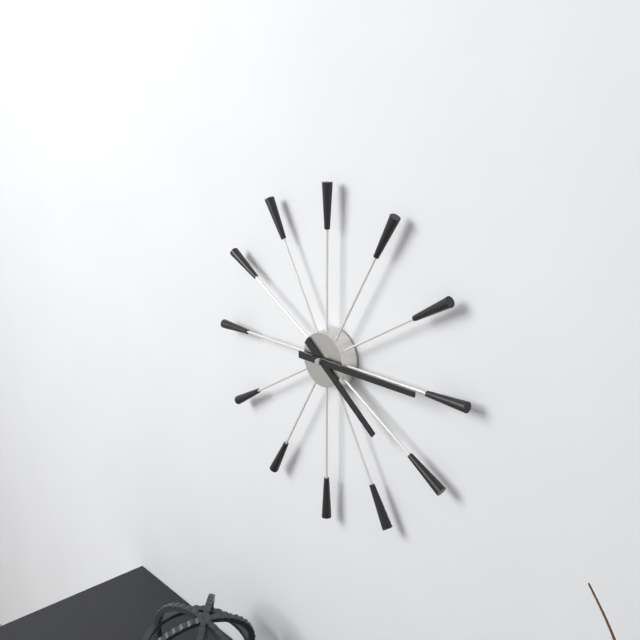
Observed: 4:15
